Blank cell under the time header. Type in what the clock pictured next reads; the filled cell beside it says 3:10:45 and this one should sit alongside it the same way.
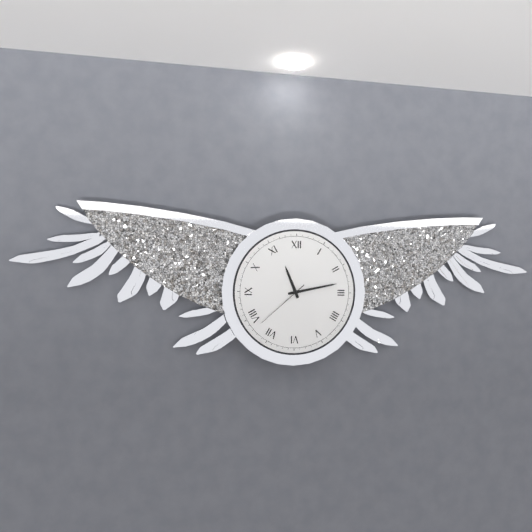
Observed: 11:13:38
